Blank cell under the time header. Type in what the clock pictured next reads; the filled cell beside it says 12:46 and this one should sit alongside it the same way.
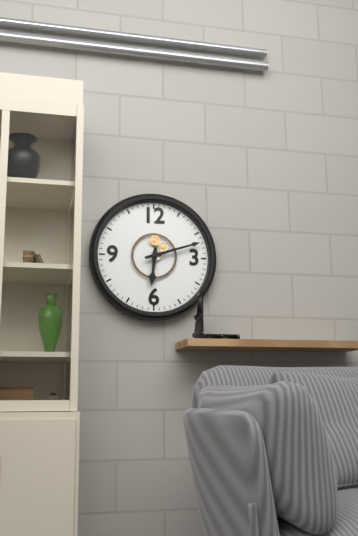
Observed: 6:12
